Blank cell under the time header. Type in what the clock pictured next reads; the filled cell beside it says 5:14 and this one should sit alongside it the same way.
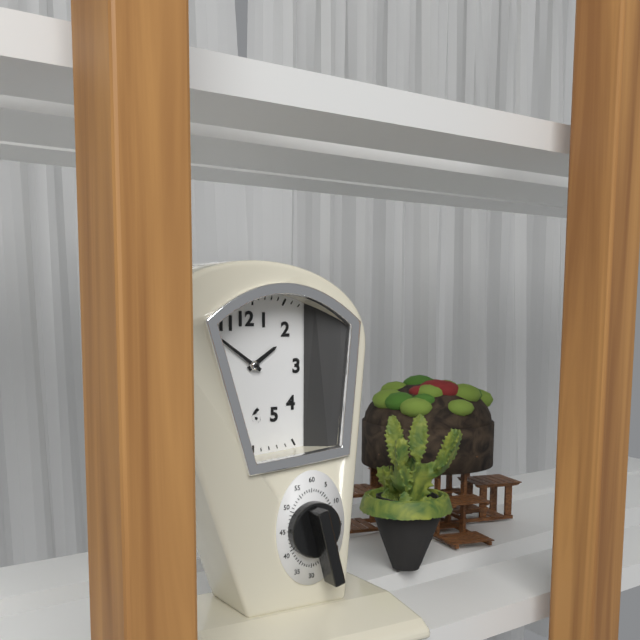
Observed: 1:51
